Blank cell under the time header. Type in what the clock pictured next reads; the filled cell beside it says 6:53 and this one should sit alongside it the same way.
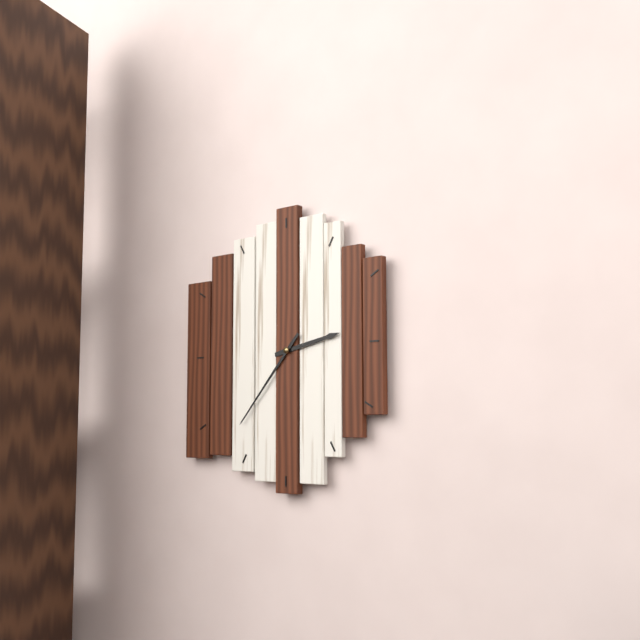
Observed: 2:37
